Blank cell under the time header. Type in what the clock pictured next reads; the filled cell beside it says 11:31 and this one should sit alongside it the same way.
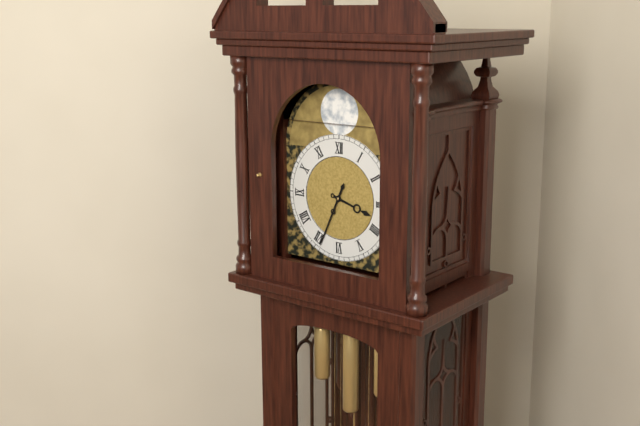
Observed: 3:34
